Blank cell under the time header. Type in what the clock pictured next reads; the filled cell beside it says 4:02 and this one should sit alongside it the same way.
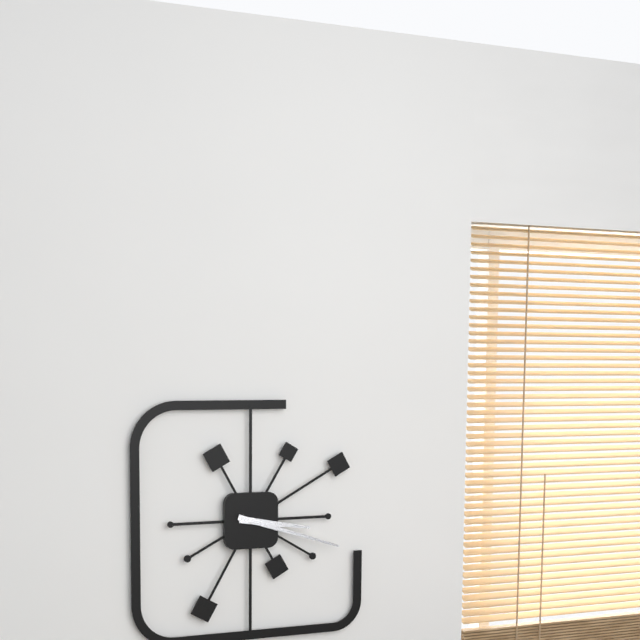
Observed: 3:18
